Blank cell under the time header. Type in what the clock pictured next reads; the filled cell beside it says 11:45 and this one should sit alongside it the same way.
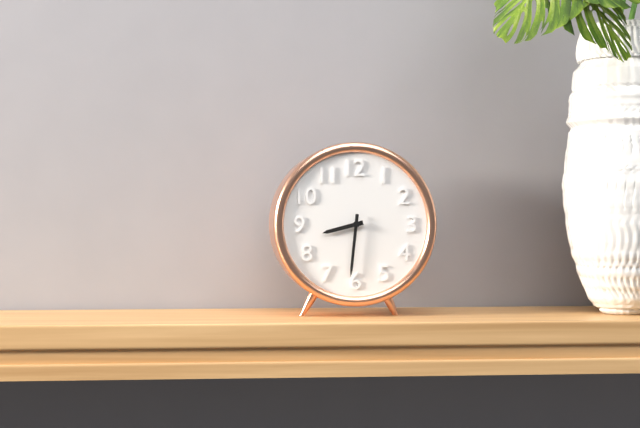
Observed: 8:31
